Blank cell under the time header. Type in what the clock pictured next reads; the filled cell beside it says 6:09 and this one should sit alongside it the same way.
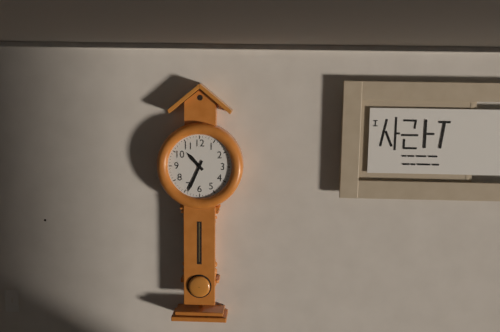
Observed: 10:34
